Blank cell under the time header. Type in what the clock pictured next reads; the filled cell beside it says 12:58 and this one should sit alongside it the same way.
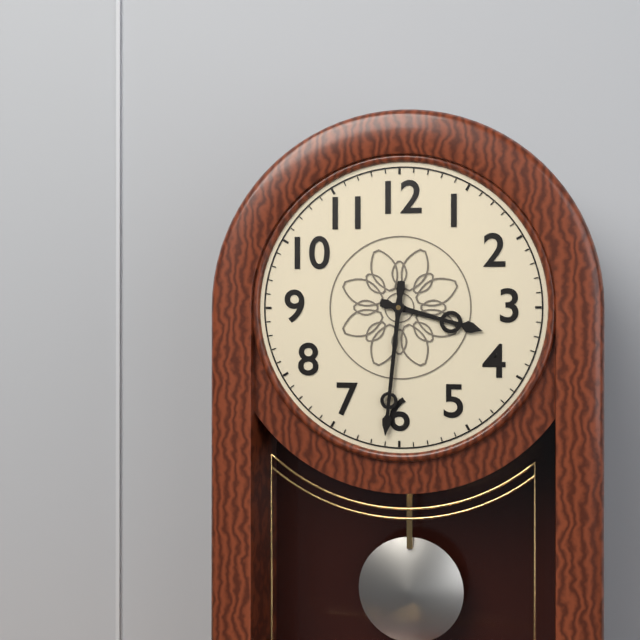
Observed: 3:31
